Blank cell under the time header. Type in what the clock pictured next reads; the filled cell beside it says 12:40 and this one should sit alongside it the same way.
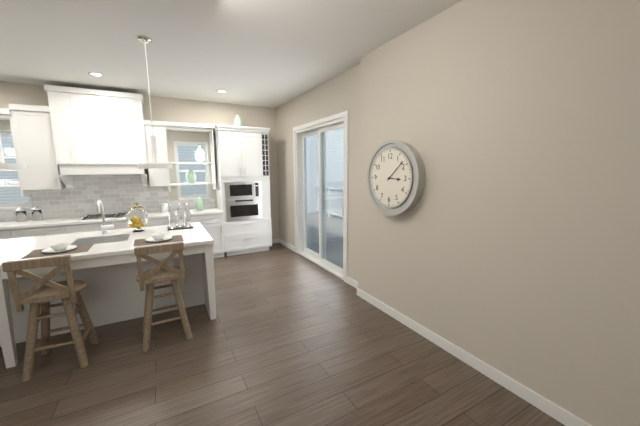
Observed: 3:08
